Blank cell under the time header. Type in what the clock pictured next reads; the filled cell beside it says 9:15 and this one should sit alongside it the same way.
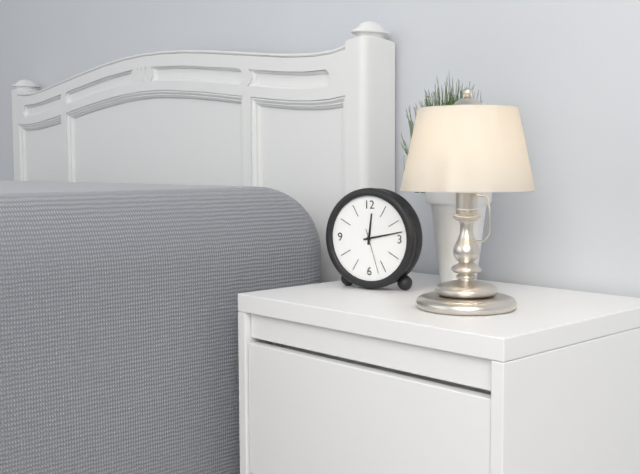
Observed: 12:13
